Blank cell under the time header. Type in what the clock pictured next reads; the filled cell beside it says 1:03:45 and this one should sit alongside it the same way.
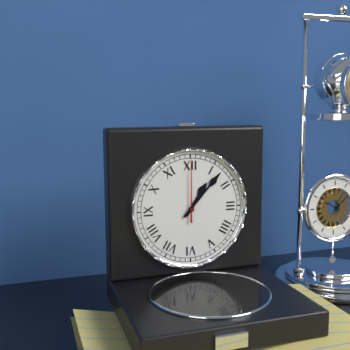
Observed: 1:07:00
